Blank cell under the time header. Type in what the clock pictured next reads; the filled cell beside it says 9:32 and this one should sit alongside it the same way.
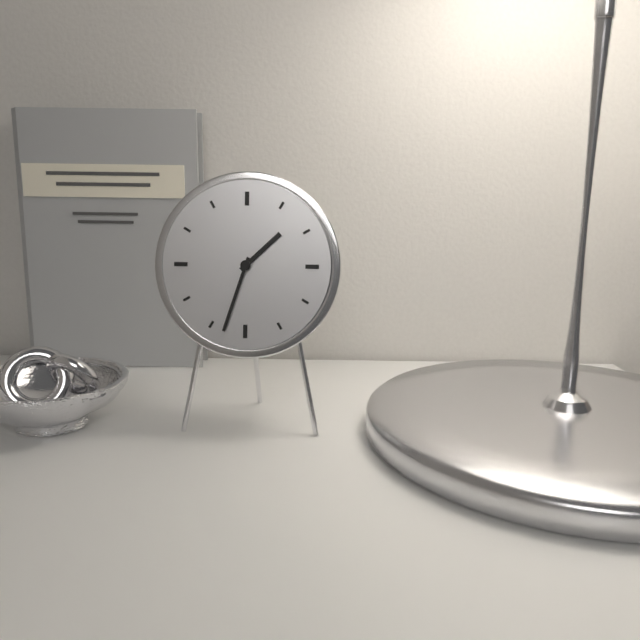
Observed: 1:33
